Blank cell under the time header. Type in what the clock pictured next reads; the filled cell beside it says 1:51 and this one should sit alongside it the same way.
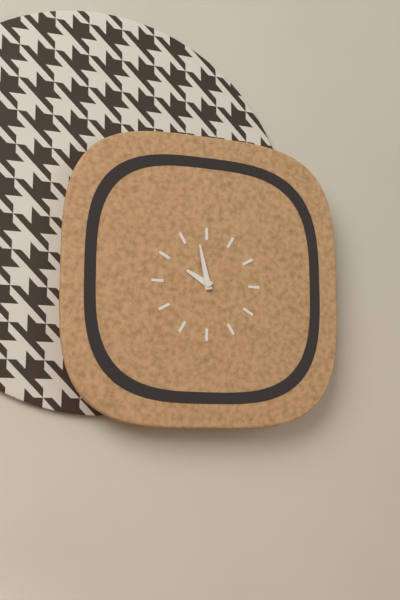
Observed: 9:58
